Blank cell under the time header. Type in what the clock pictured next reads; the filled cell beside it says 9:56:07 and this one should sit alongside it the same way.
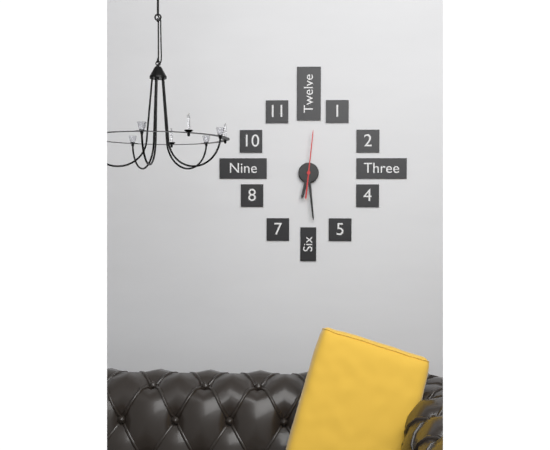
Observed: 6:29:01
